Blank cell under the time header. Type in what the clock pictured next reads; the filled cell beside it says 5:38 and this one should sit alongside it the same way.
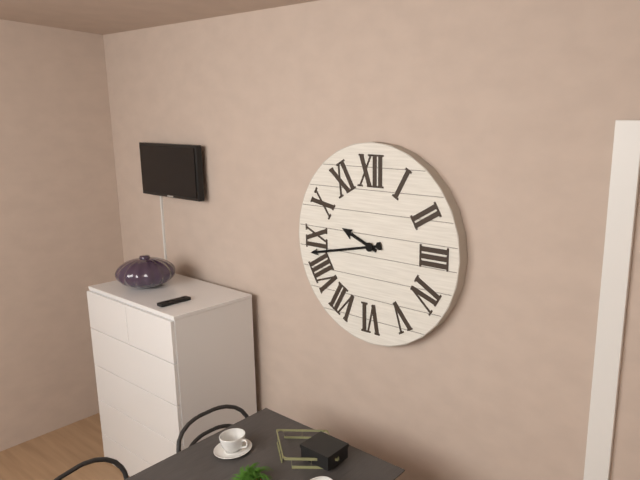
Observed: 9:43
